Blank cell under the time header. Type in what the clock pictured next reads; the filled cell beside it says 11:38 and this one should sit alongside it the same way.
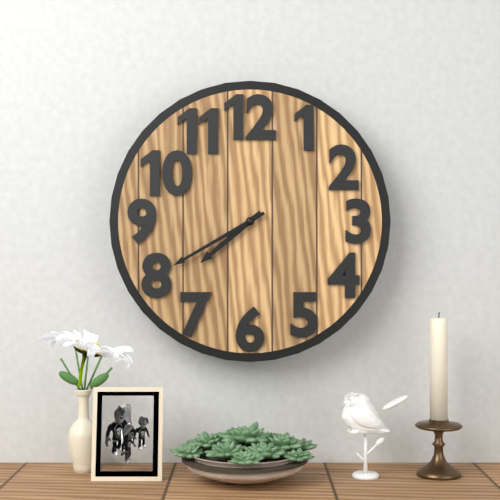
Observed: 7:40
